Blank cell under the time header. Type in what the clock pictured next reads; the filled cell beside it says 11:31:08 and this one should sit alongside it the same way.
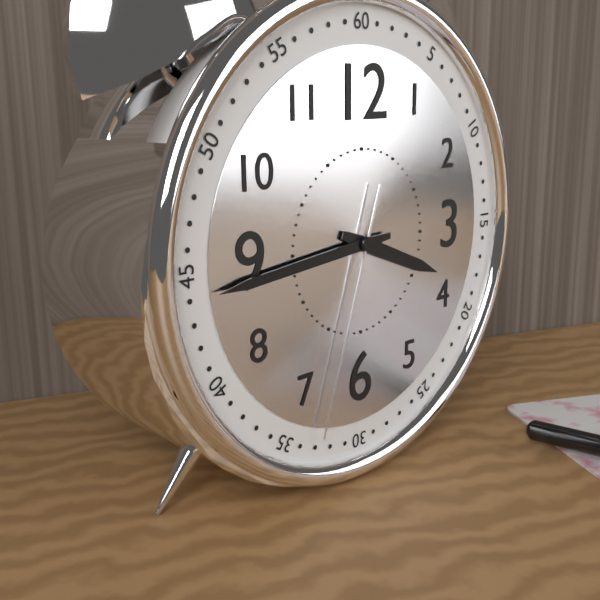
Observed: 3:44:33
